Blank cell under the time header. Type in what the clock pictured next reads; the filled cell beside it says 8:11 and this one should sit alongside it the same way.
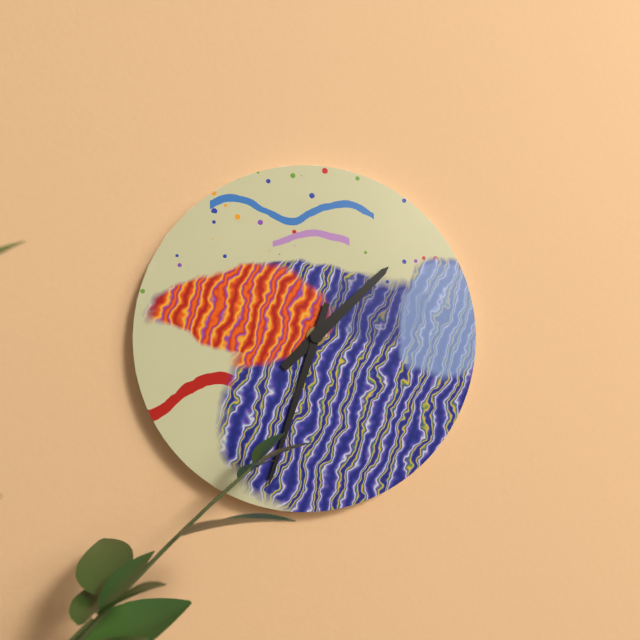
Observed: 1:33
